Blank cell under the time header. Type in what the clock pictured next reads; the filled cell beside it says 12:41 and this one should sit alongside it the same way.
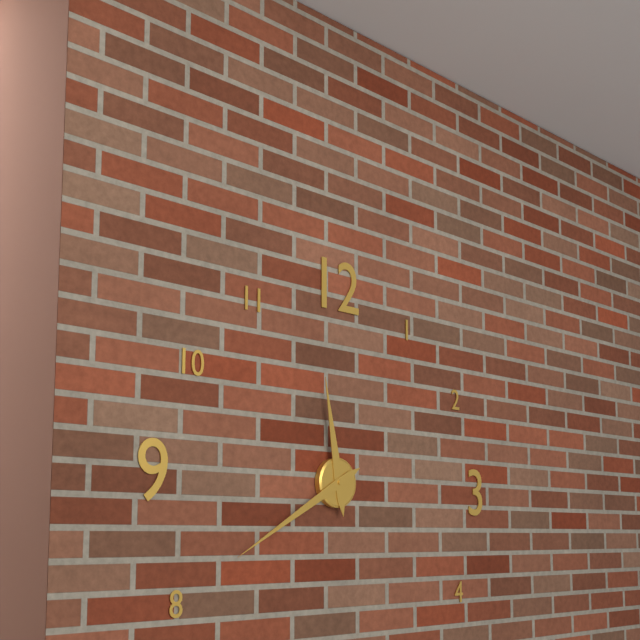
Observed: 11:40
